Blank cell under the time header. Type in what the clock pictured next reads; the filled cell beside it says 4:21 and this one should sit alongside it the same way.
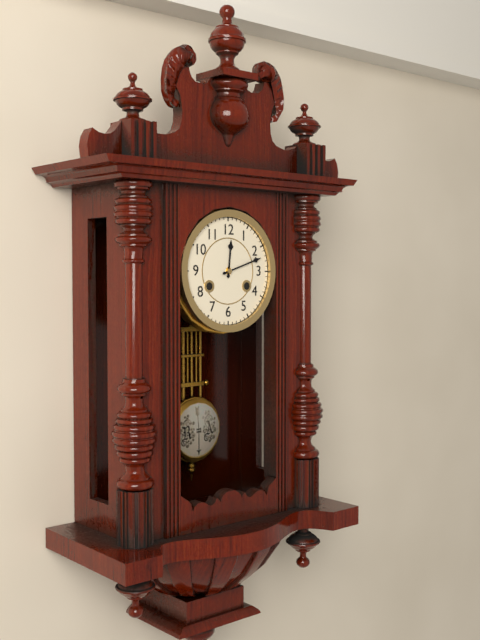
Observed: 12:12
